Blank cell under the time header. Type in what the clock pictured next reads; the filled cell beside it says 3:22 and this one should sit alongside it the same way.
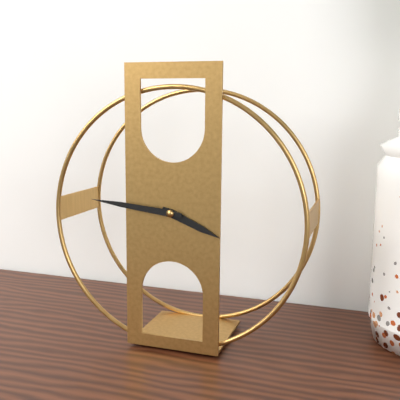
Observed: 3:46
